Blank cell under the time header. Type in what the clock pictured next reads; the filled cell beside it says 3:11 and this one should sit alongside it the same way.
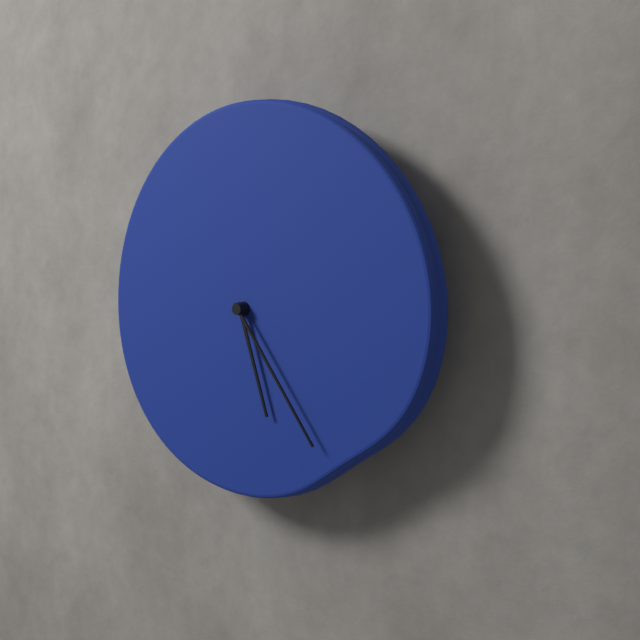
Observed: 5:24
